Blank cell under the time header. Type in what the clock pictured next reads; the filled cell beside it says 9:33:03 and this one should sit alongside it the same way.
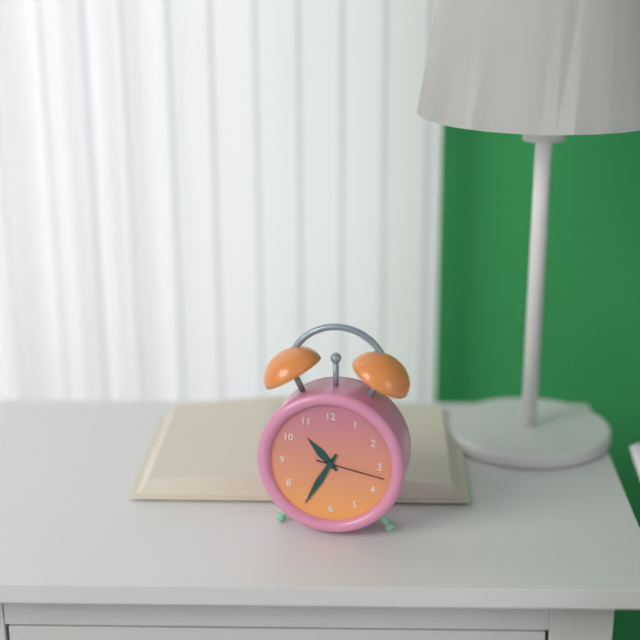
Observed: 10:35:17
